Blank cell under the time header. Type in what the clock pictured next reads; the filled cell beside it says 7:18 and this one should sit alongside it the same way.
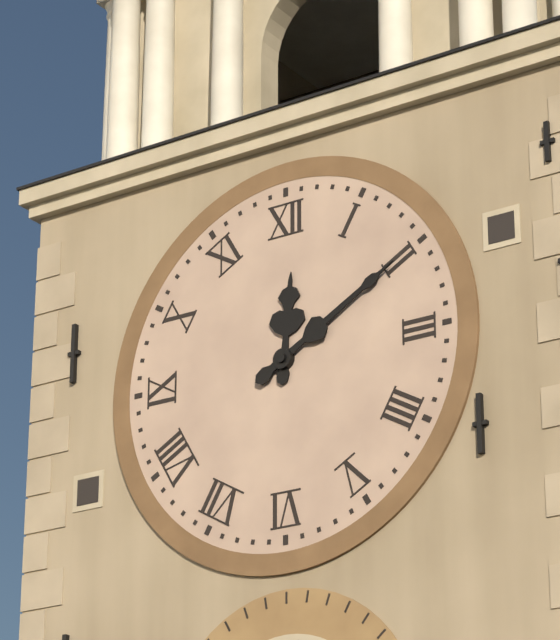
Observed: 12:10
